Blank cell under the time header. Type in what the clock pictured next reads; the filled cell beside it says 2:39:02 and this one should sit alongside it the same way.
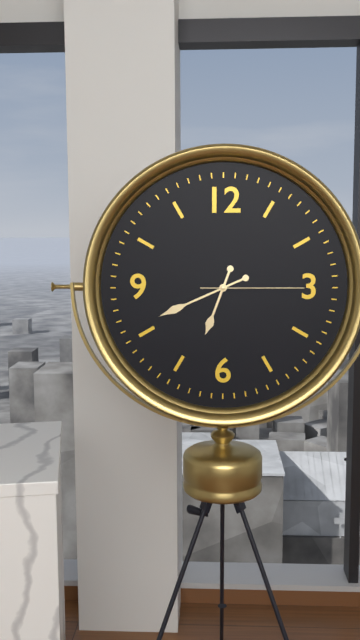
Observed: 6:41:15
